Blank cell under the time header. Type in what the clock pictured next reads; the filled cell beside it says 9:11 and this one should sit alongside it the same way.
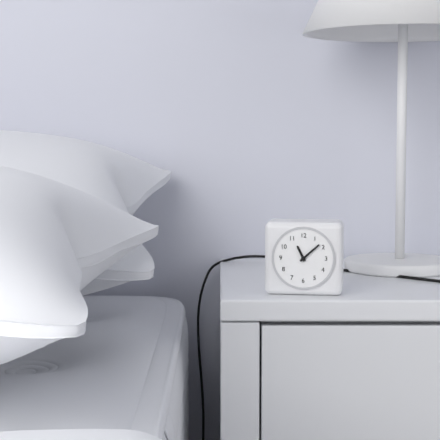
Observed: 11:08
